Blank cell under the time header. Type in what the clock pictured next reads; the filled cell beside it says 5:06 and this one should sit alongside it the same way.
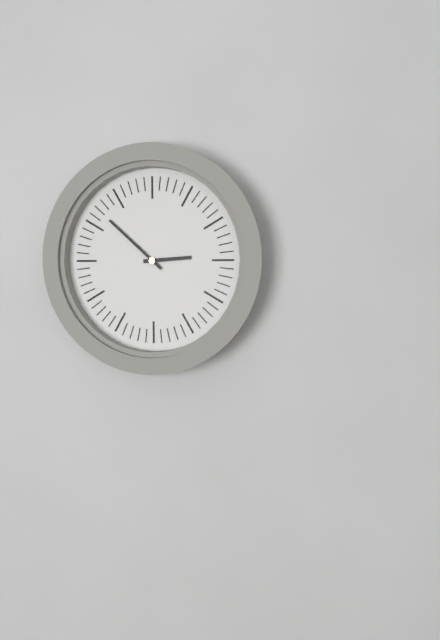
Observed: 2:52
